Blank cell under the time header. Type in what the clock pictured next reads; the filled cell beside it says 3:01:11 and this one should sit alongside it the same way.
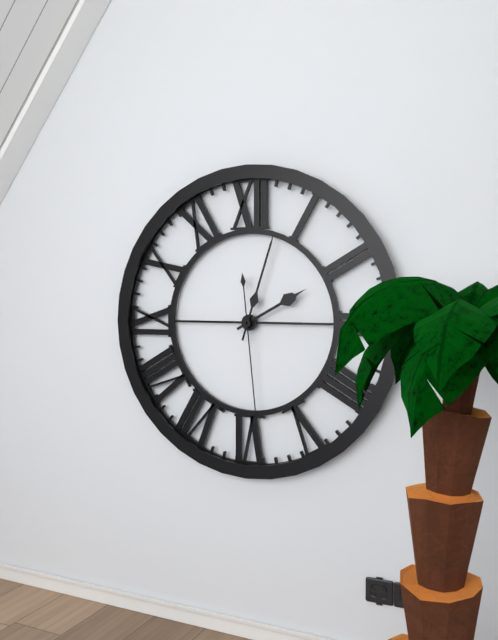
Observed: 2:03:29
